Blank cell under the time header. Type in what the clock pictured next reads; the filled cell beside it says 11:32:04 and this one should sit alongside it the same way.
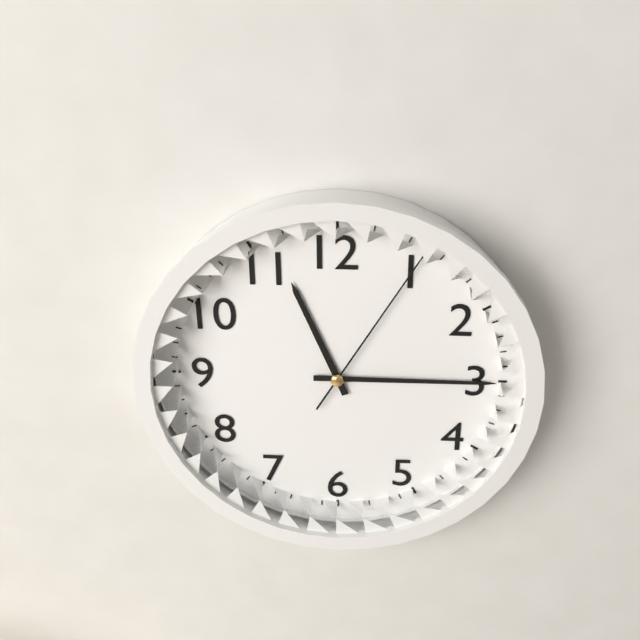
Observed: 11:15:05
